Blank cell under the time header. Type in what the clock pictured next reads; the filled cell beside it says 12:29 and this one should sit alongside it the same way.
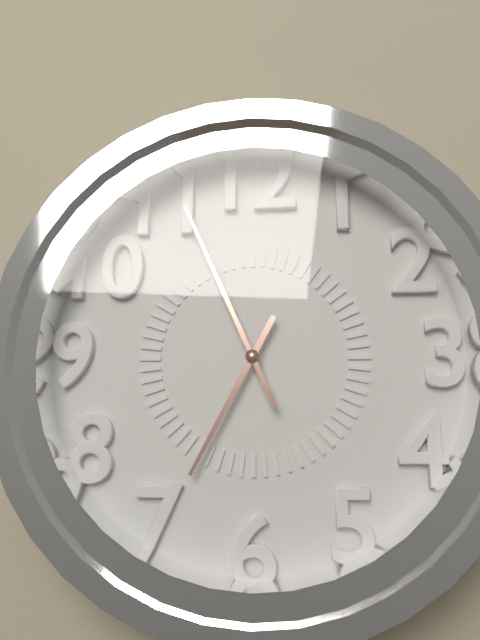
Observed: 6:56
